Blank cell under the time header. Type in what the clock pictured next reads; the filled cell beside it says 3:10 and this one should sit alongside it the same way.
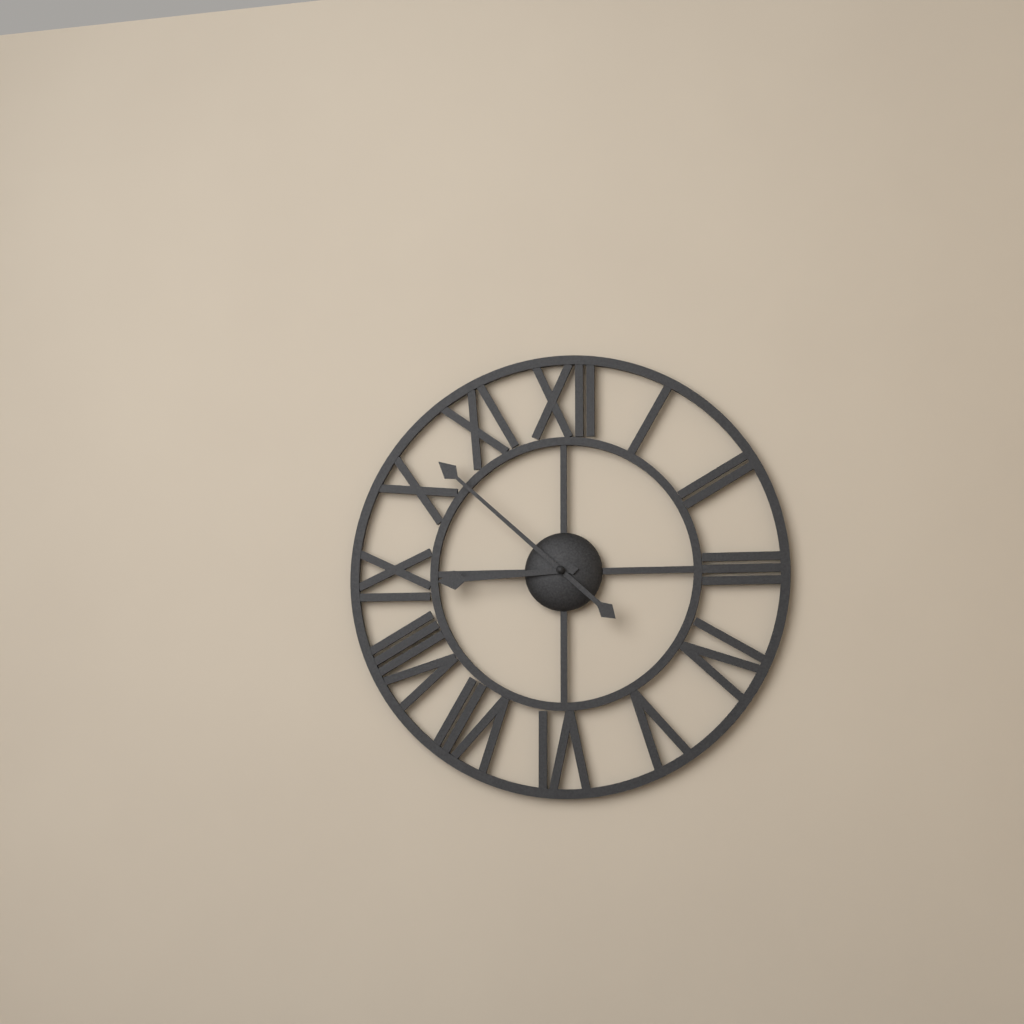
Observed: 8:52
